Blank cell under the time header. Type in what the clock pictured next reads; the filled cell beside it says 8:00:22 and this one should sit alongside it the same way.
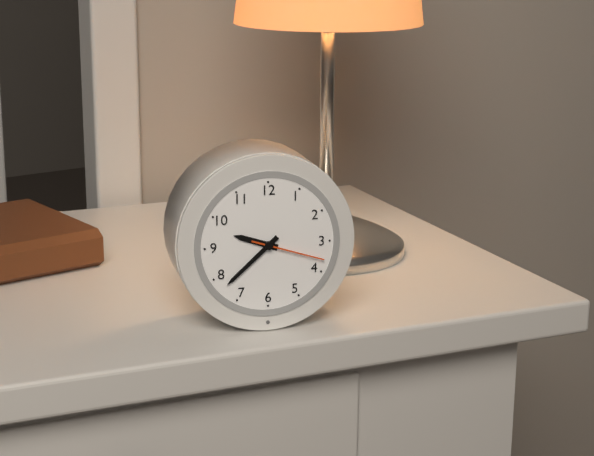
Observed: 9:38:18
